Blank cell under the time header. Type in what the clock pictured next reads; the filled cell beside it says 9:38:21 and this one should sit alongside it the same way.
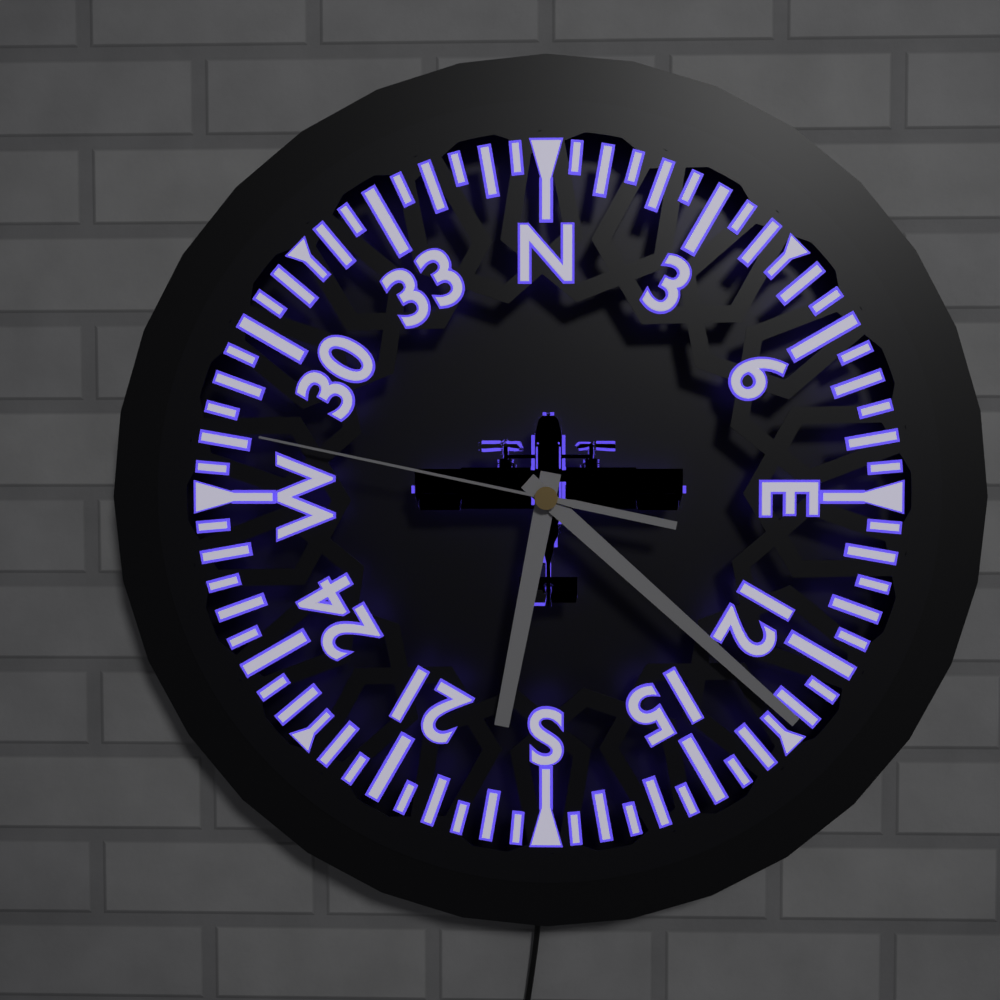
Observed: 6:22:47
